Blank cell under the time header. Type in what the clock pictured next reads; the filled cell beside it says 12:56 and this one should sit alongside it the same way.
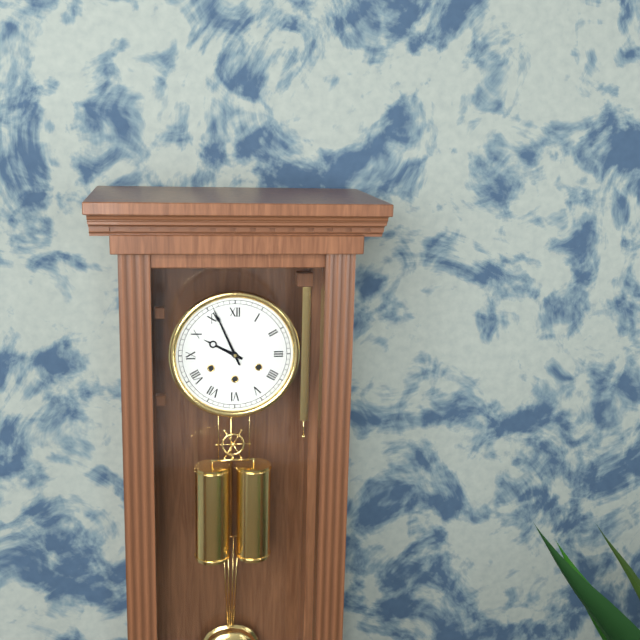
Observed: 9:56
